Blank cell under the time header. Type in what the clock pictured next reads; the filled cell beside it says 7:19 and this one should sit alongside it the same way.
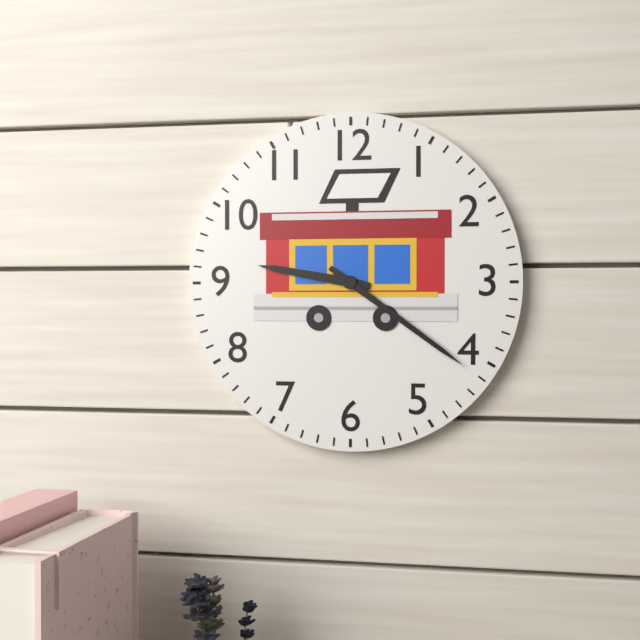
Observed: 9:21
